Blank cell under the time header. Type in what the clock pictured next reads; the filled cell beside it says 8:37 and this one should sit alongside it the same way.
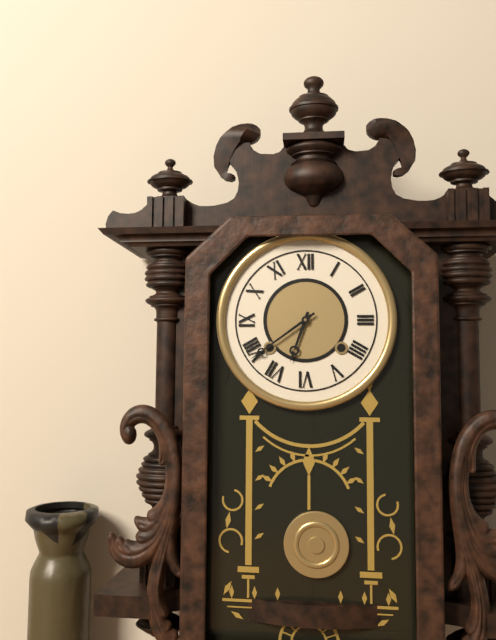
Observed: 6:39
